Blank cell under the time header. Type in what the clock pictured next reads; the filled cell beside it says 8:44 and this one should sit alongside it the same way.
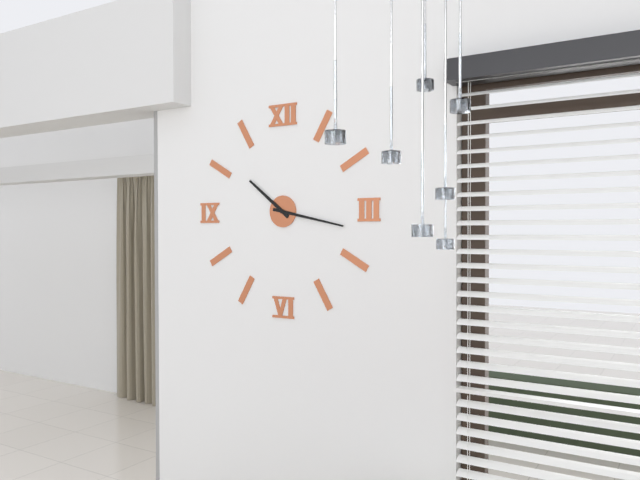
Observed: 10:17
